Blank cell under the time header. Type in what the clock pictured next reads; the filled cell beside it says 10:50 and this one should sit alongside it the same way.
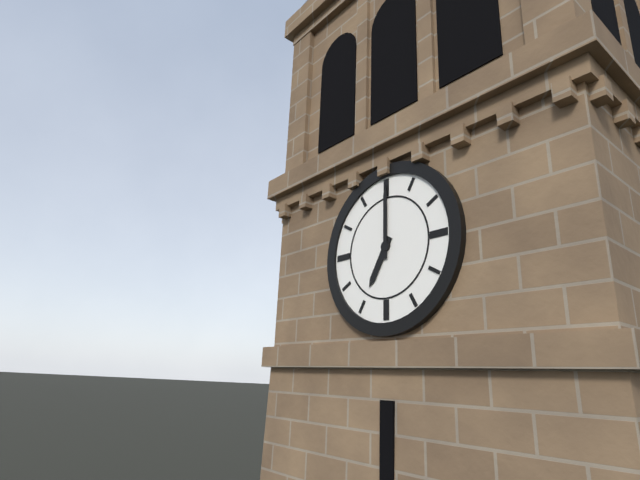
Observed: 7:00
